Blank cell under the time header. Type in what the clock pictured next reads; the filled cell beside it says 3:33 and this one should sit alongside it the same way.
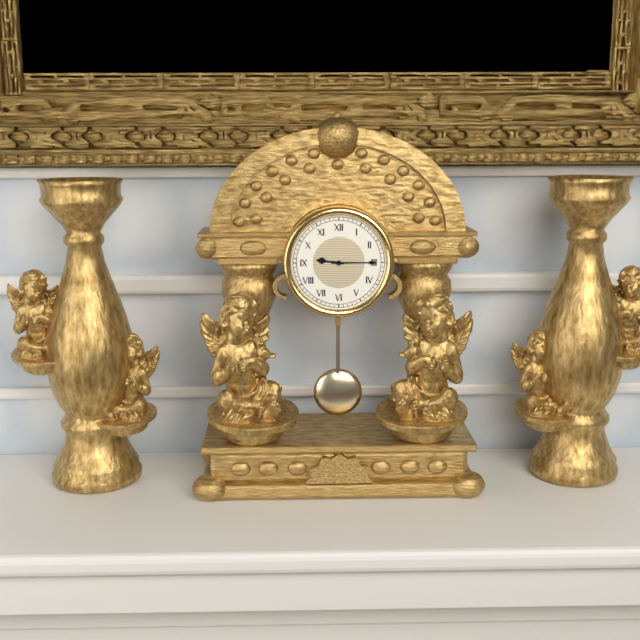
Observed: 9:15
